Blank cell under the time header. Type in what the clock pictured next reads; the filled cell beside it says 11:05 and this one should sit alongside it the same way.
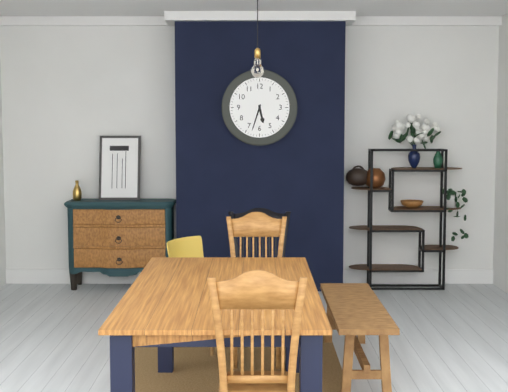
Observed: 5:33
